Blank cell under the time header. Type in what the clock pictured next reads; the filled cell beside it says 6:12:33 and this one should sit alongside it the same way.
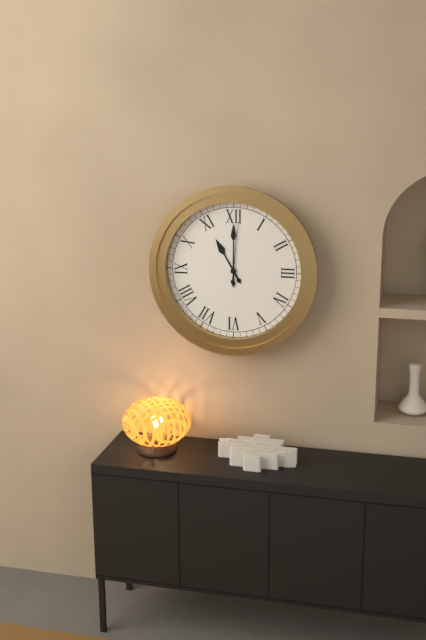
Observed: 11:00:01
